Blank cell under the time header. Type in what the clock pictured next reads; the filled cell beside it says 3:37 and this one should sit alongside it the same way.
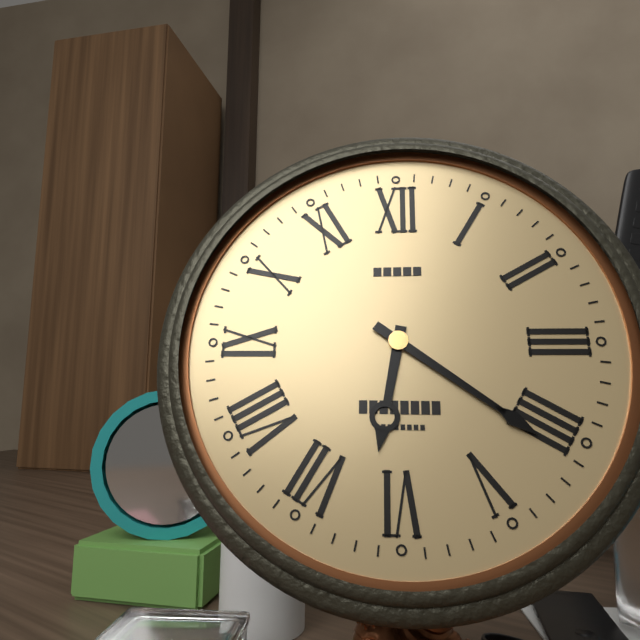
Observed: 6:21
